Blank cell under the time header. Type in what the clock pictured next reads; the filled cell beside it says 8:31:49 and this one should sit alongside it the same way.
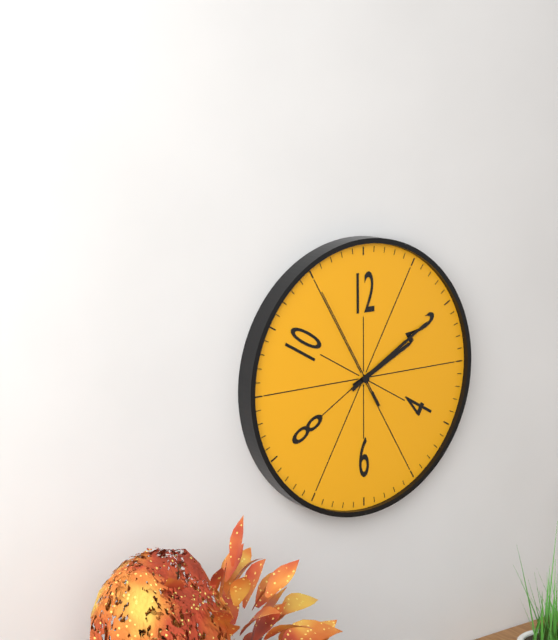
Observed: 2:10:55
